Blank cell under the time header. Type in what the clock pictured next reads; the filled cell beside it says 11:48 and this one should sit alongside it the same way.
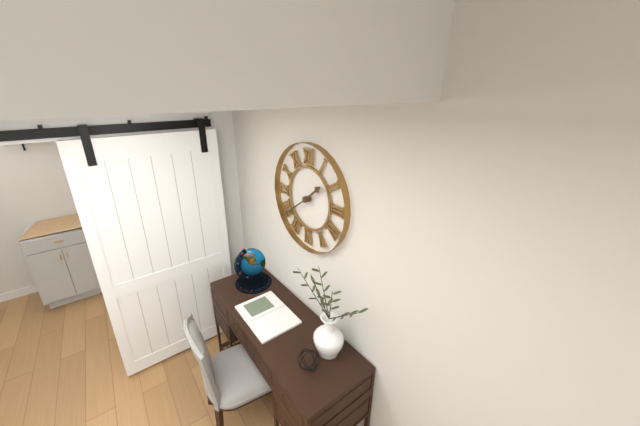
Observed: 1:39
